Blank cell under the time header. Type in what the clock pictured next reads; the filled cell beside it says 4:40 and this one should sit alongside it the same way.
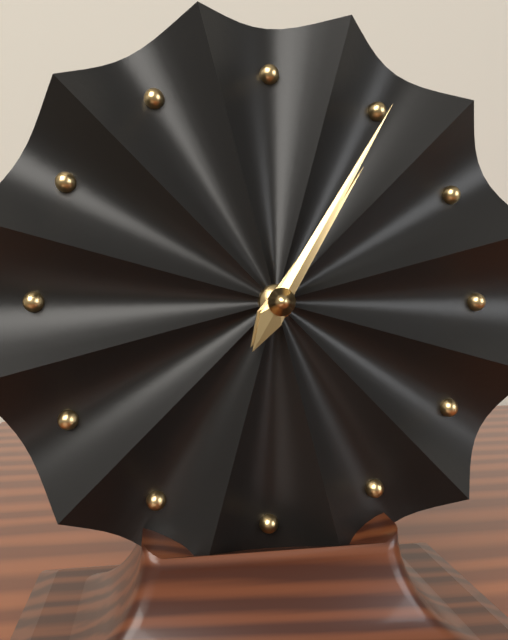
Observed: 1:05
